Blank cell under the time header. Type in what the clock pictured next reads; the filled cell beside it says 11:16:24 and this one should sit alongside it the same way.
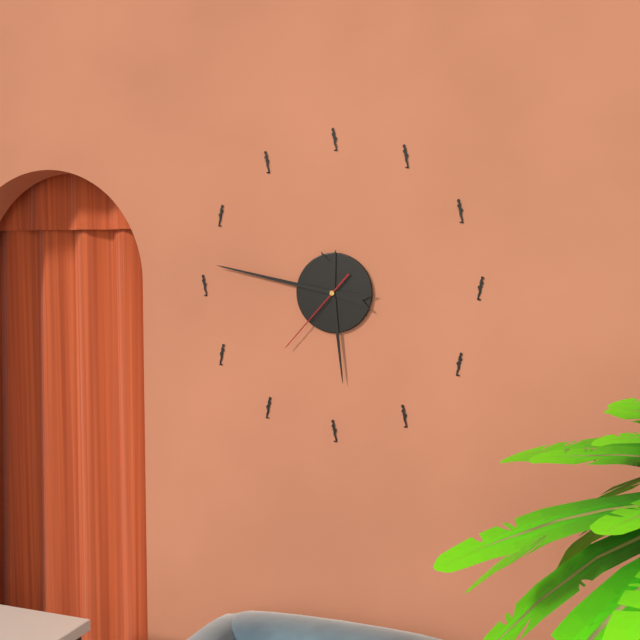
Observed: 5:47:37
